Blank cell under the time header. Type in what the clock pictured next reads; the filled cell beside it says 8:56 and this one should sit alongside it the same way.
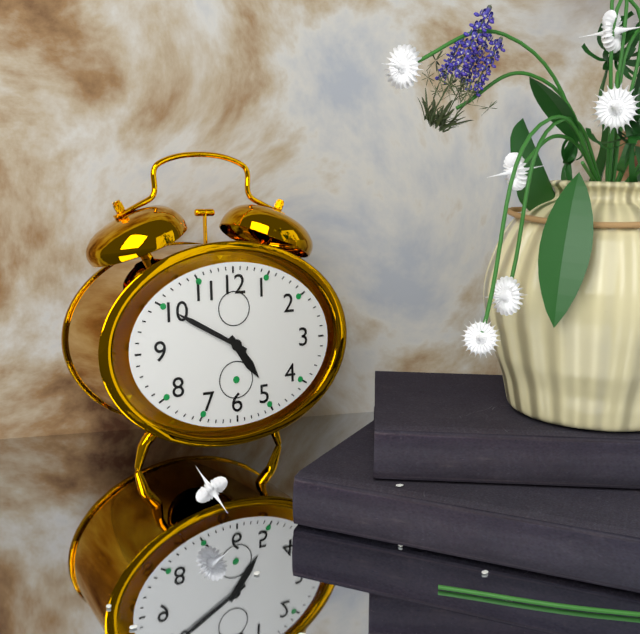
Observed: 4:50
